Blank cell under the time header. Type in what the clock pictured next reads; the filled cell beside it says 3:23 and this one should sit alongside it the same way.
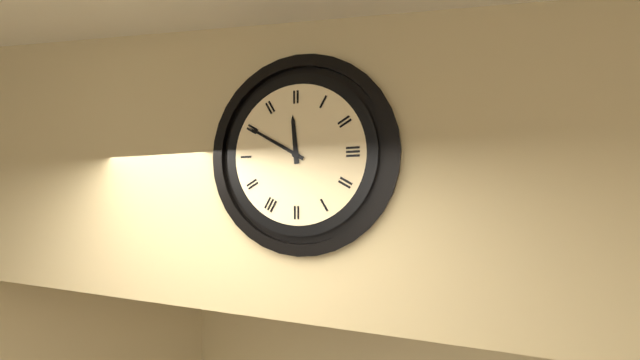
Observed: 11:50
